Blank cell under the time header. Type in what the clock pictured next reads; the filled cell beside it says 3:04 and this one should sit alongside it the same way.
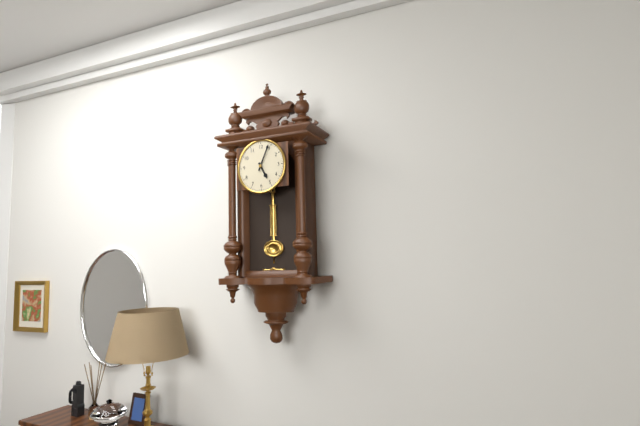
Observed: 5:04
